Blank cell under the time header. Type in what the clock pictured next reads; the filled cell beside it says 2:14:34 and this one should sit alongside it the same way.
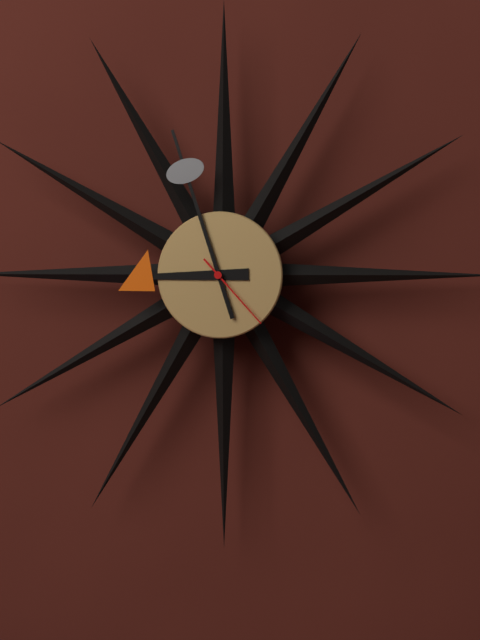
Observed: 8:57:23
